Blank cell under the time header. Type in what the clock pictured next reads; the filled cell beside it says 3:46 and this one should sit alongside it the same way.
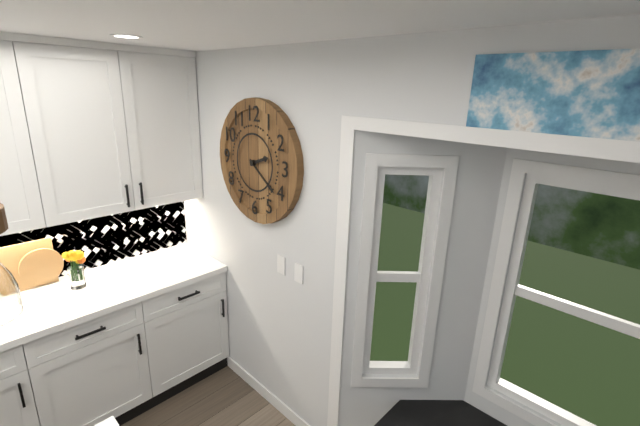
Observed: 2:21
